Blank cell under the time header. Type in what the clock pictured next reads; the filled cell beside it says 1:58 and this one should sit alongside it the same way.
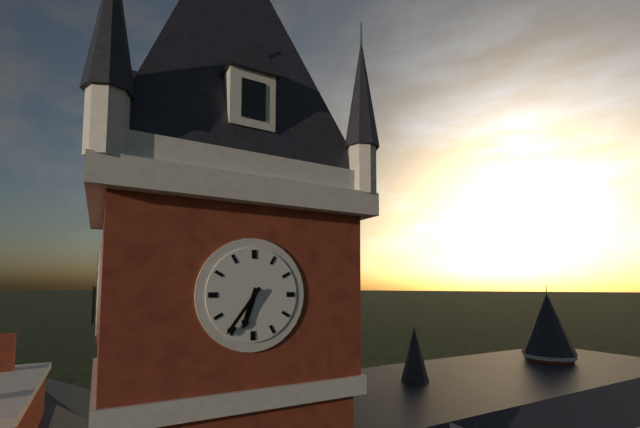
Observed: 6:36
